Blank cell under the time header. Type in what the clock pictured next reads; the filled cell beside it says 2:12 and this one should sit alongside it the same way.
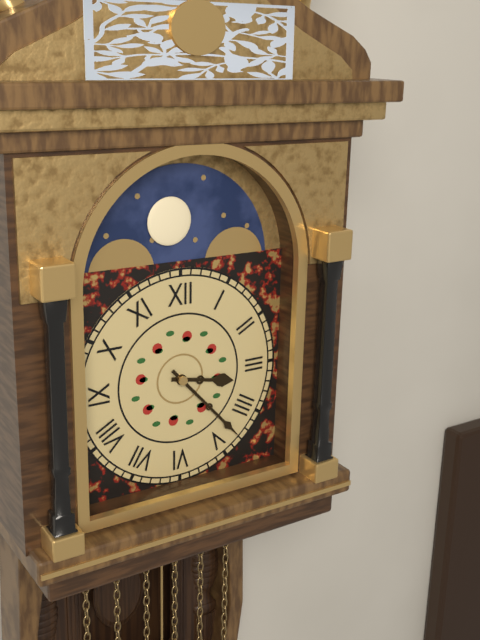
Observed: 3:23
